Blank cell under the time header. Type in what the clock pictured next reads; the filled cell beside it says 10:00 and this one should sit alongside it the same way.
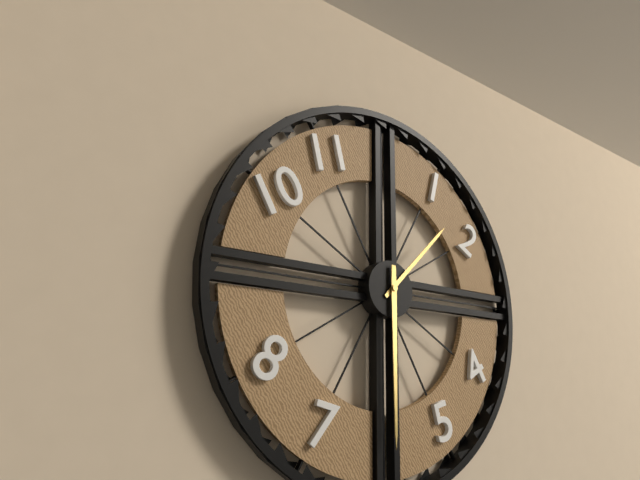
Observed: 1:30
